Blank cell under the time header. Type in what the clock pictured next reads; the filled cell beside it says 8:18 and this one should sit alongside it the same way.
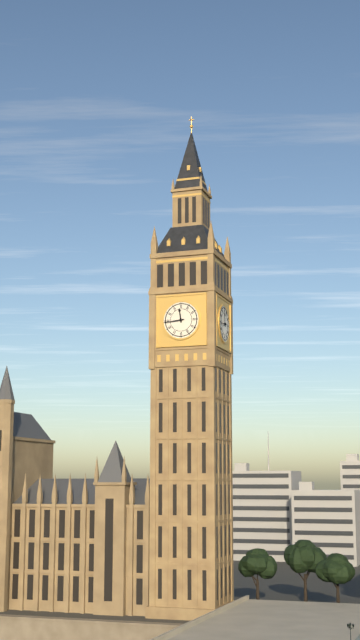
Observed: 11:44
